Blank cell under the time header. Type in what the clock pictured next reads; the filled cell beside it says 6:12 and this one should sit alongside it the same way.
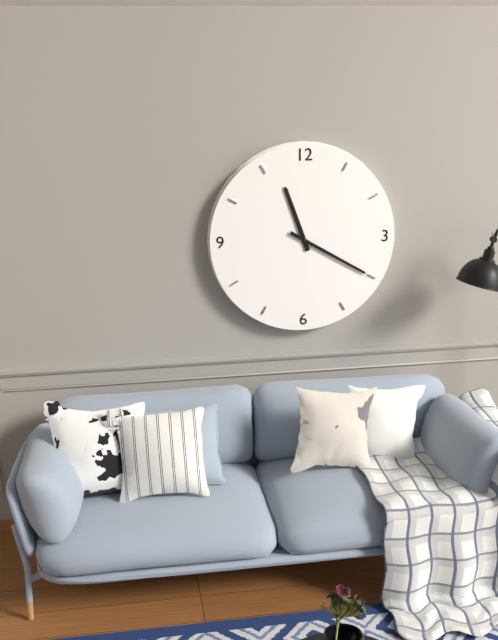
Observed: 11:20
